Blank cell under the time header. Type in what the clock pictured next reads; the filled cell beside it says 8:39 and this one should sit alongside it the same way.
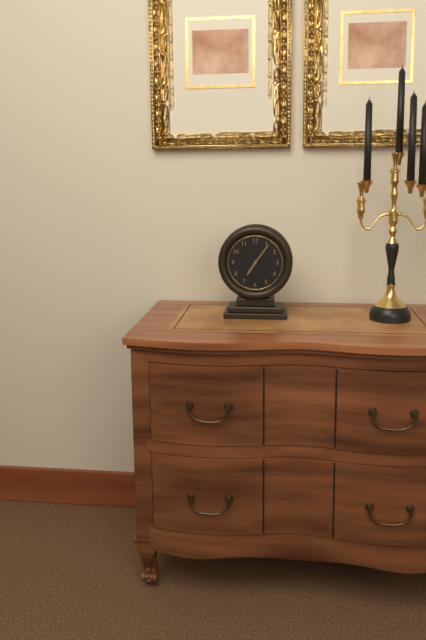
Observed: 7:06
